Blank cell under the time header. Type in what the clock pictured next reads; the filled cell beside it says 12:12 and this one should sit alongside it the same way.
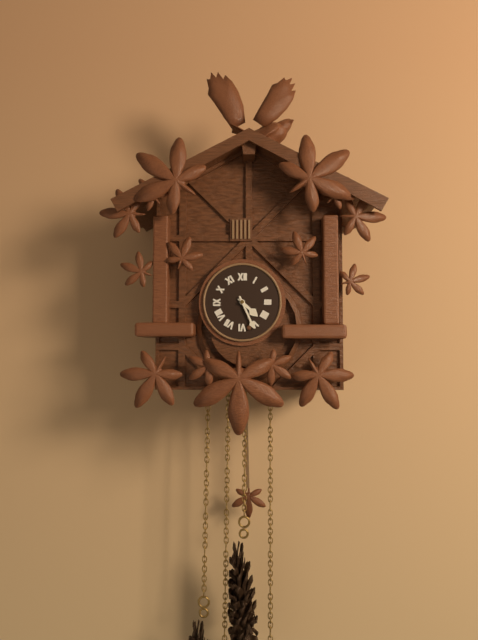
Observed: 4:26
